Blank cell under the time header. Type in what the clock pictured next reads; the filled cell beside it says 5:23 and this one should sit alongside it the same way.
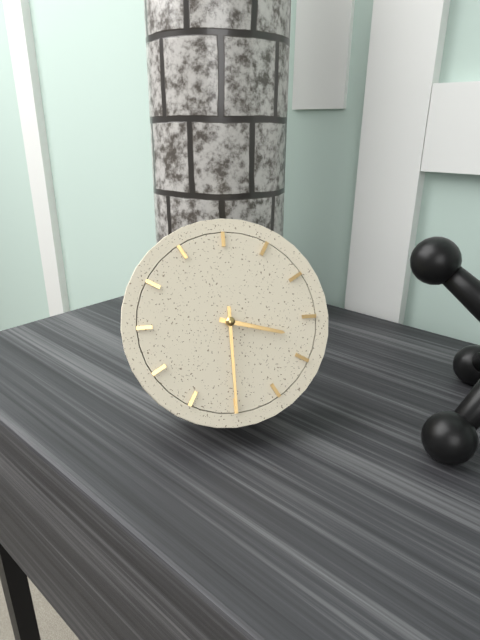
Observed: 3:30
